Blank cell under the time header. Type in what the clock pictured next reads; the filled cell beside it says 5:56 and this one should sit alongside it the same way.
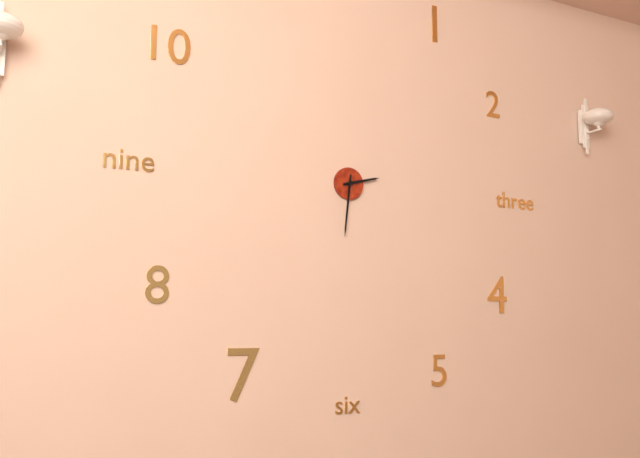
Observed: 2:31
